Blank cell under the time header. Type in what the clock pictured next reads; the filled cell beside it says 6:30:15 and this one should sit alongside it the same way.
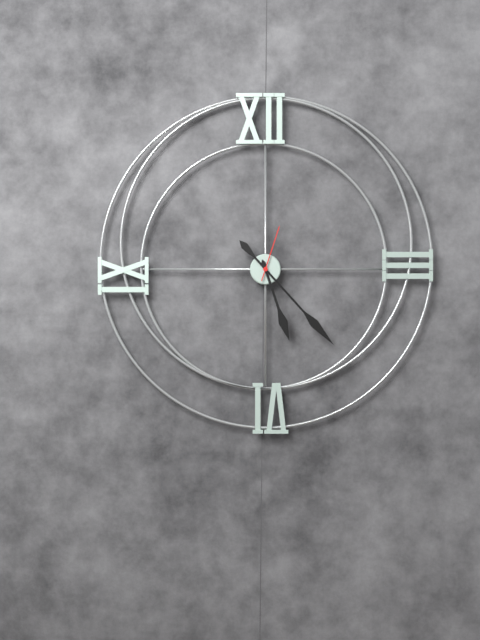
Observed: 5:23:03
